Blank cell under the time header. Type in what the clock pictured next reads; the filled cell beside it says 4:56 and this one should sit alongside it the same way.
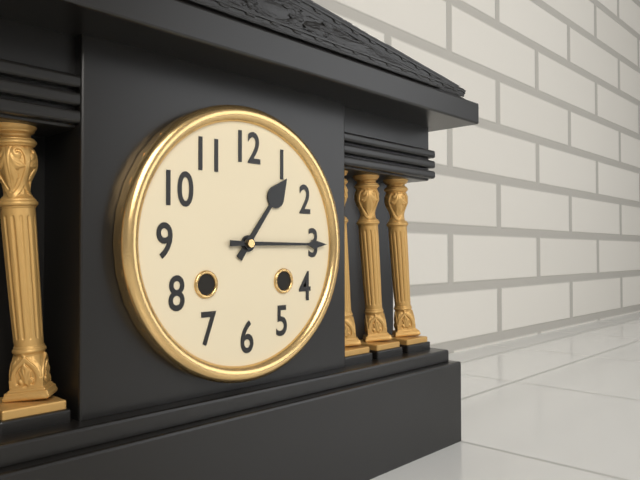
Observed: 1:15
